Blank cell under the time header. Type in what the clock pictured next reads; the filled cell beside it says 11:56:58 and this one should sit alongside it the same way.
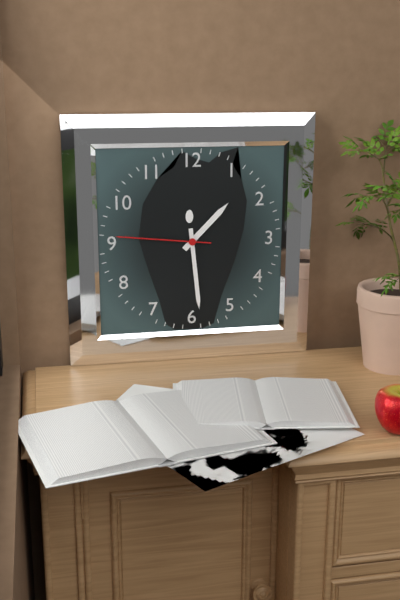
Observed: 1:29:46
